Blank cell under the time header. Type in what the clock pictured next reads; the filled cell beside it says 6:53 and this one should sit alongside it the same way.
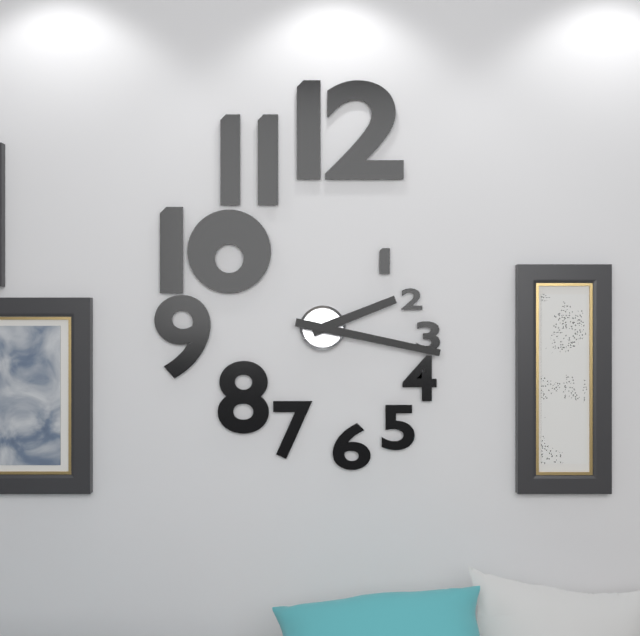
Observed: 2:17
